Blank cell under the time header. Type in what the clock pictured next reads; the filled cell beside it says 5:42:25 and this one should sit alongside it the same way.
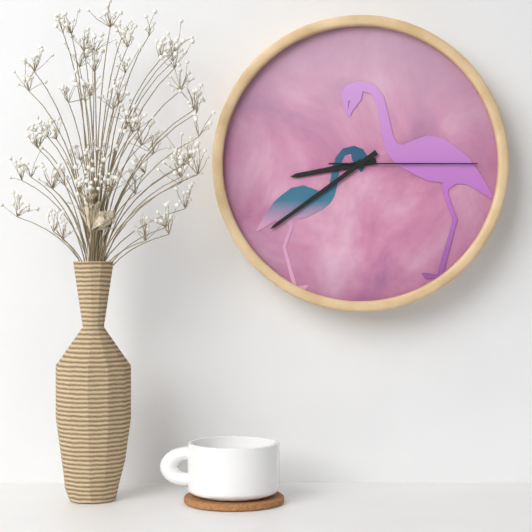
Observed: 8:39:15
